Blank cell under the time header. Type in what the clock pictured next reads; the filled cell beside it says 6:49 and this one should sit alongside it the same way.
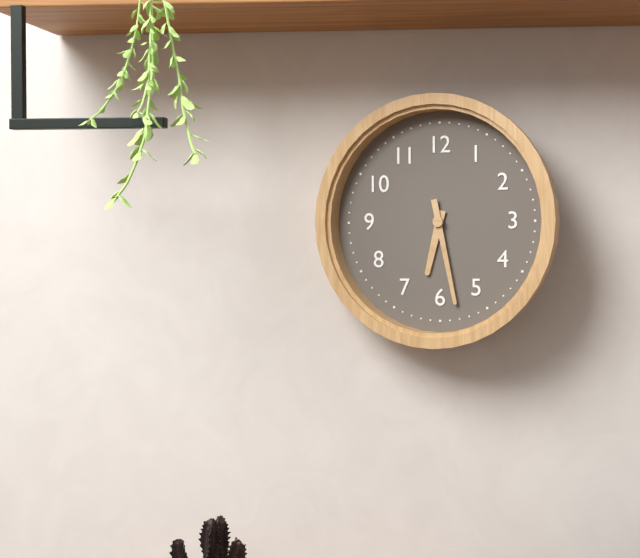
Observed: 6:28
